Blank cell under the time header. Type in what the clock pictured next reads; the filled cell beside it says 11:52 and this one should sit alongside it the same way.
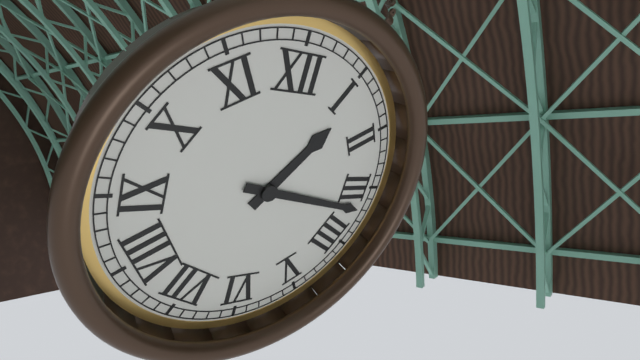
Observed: 1:17
